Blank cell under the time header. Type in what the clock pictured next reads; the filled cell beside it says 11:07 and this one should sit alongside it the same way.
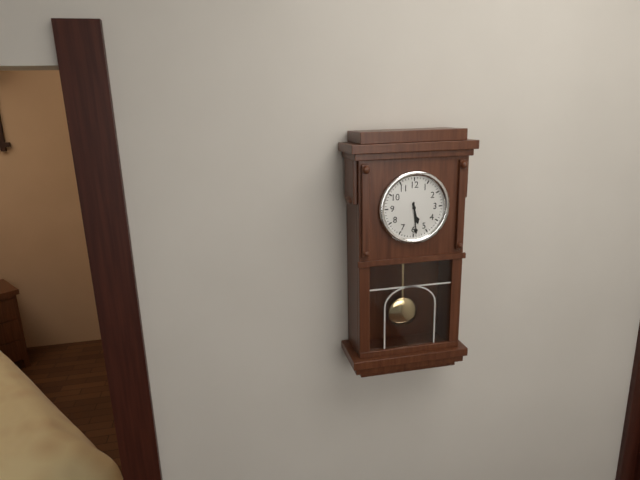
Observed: 5:29
